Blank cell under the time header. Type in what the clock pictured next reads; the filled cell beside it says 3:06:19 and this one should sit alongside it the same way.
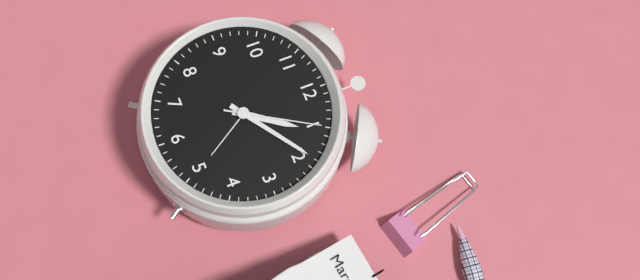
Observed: 1:09:05
